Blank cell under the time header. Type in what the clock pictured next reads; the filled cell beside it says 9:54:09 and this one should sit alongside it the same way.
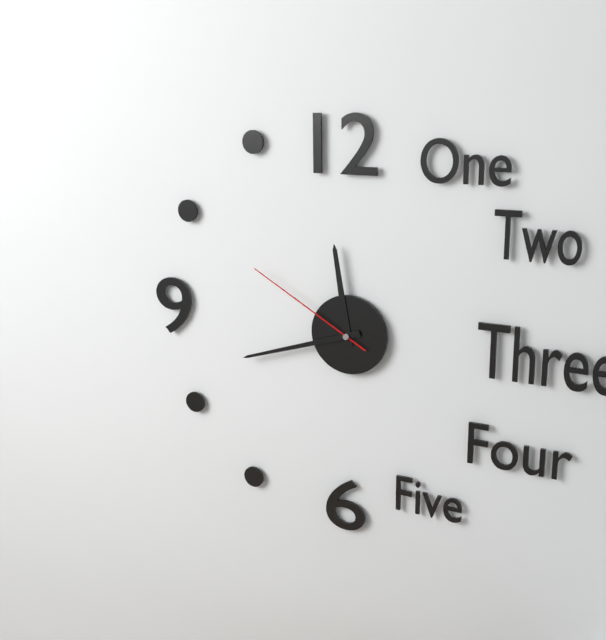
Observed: 11:42:50
